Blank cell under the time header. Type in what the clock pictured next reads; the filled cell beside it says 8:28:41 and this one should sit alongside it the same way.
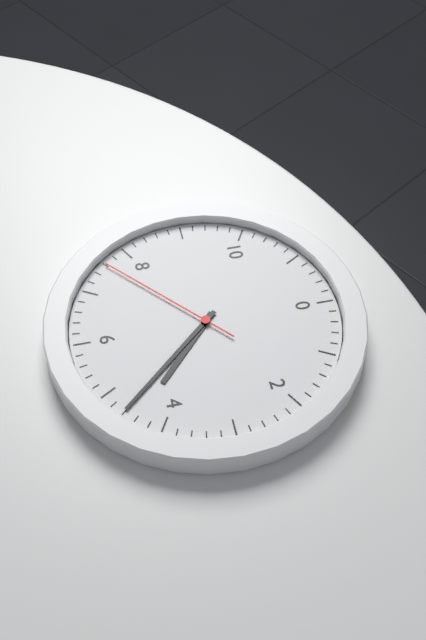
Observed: 4:23:38
